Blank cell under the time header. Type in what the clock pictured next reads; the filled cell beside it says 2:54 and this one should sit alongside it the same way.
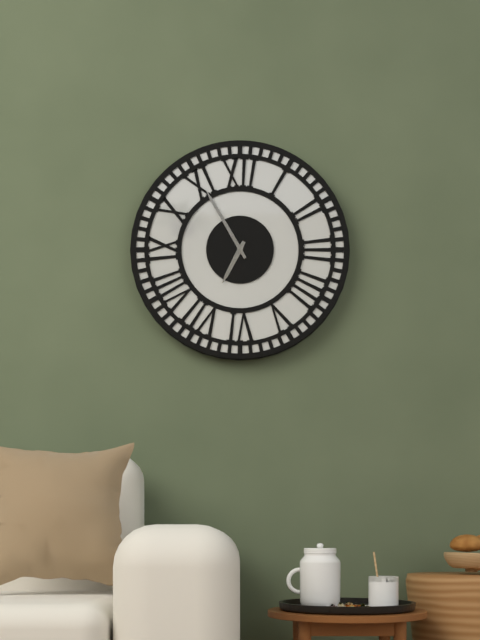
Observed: 6:55
